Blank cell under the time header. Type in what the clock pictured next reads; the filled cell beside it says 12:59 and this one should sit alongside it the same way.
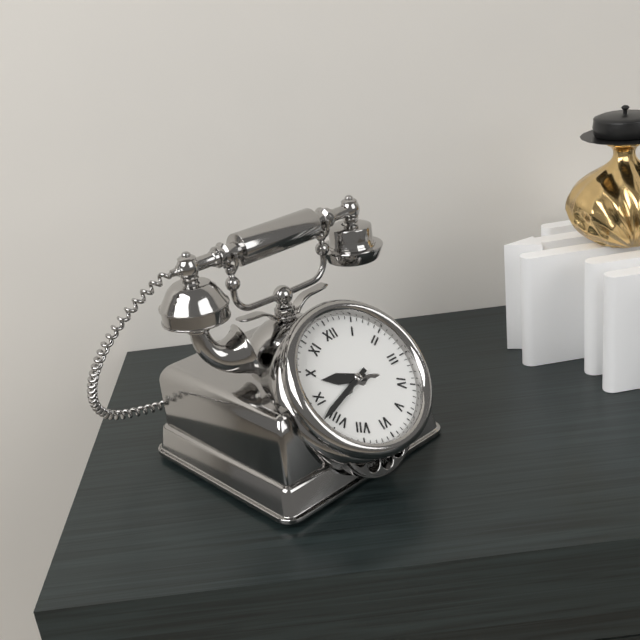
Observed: 9:42
